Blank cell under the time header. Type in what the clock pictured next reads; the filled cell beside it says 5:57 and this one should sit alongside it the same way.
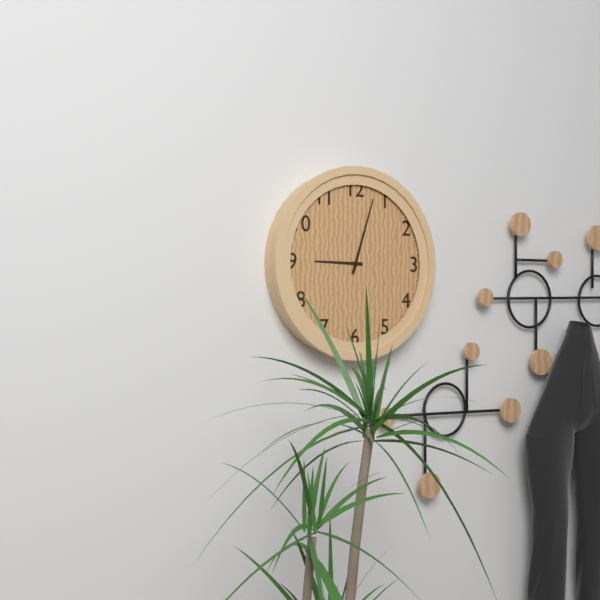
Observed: 9:03
